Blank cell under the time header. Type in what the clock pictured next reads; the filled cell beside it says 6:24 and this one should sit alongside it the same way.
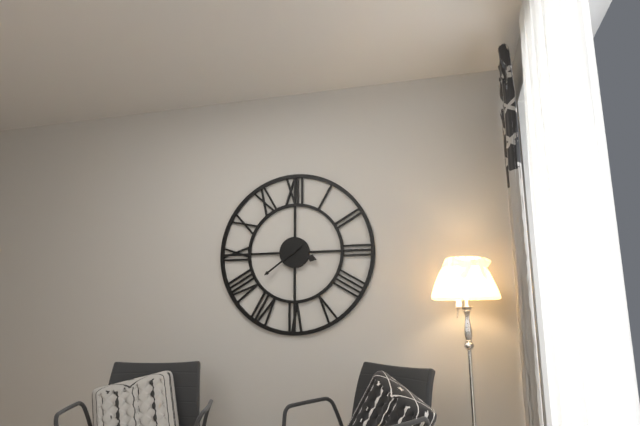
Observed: 3:39
